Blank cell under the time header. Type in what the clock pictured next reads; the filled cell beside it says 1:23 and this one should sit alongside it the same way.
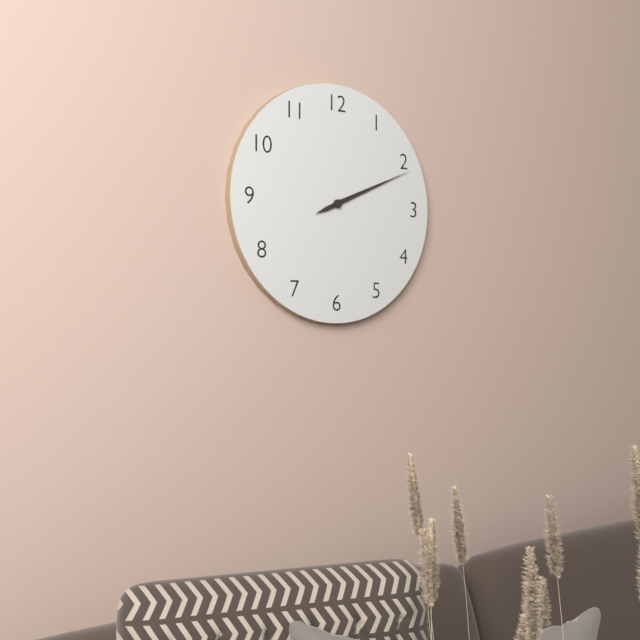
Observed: 2:11
